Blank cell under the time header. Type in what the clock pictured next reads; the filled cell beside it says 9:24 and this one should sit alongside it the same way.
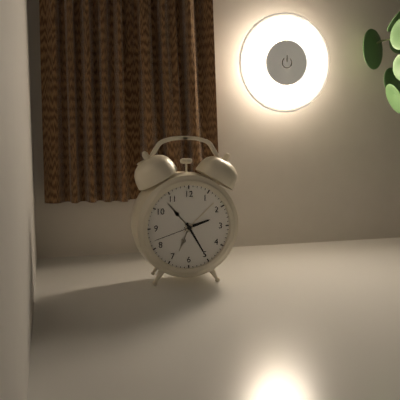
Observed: 2:25
